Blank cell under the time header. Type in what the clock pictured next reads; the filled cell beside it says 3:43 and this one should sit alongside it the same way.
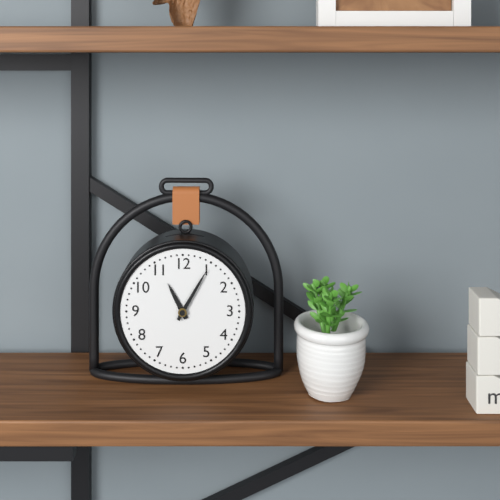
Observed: 11:05
